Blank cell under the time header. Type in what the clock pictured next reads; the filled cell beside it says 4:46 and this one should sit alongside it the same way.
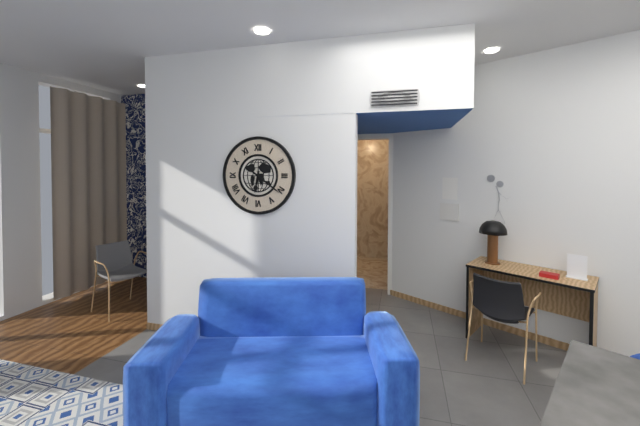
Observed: 6:21
